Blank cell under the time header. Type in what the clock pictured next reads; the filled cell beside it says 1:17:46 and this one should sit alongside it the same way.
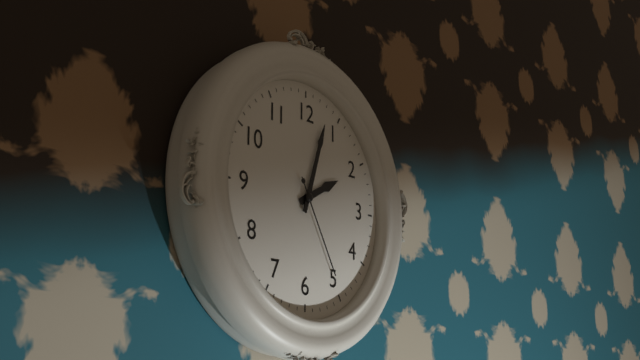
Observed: 2:03:25
